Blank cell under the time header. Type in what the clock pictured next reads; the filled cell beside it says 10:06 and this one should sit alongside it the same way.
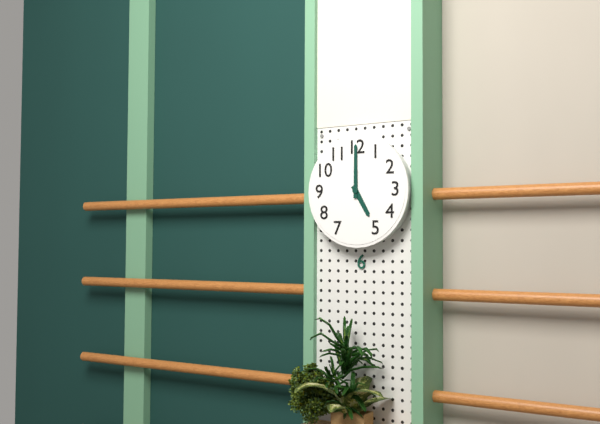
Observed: 5:00
